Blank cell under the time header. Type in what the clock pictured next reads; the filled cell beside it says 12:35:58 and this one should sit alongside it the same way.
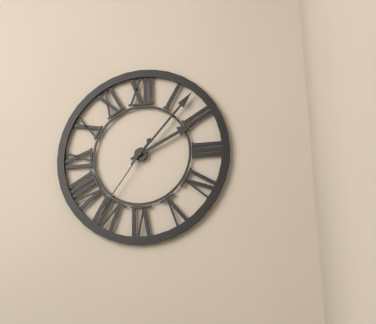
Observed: 2:07:36
